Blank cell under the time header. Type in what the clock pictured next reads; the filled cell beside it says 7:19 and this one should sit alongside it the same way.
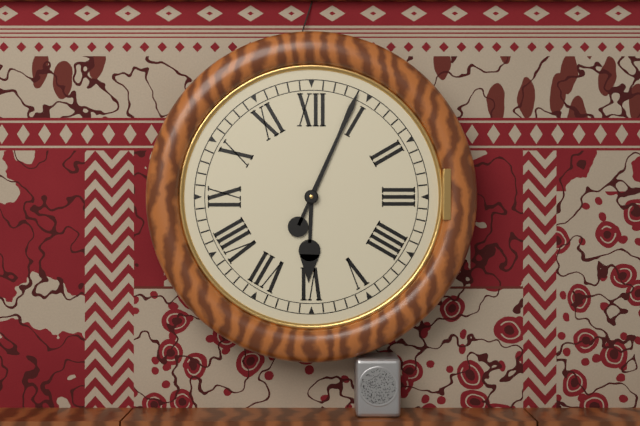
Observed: 6:04
